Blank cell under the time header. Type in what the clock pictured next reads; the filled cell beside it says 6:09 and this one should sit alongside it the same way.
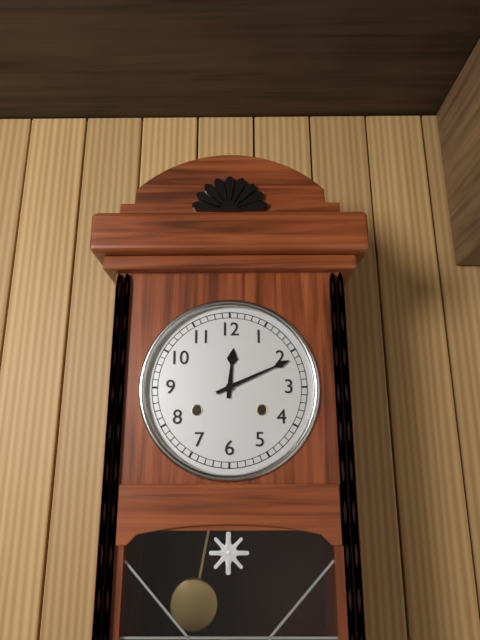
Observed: 12:11
